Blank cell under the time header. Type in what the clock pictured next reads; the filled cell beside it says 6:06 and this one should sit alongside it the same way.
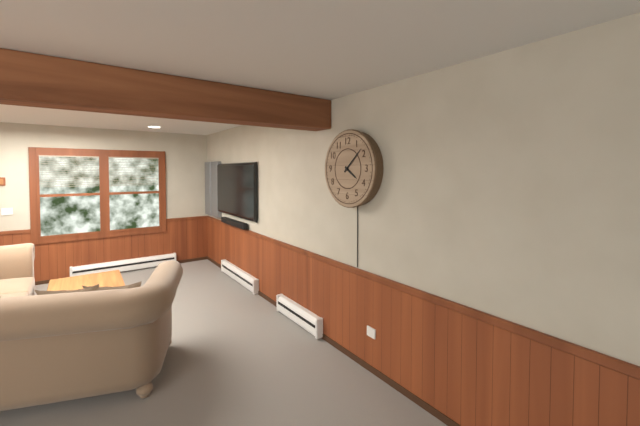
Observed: 4:08
